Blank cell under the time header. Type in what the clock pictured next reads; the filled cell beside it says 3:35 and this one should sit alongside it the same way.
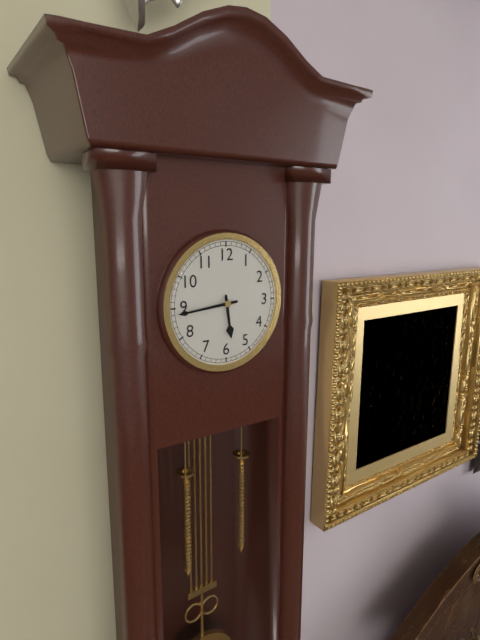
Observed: 5:44
